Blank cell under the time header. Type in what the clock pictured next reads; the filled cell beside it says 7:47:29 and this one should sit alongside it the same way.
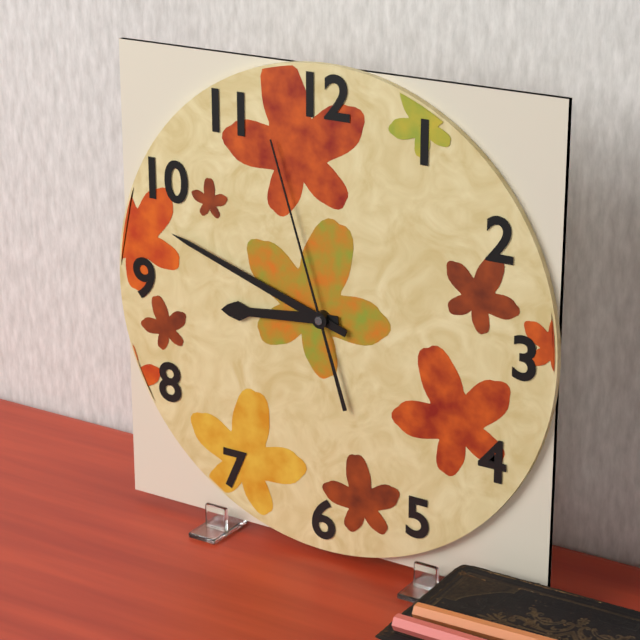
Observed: 8:48:57
